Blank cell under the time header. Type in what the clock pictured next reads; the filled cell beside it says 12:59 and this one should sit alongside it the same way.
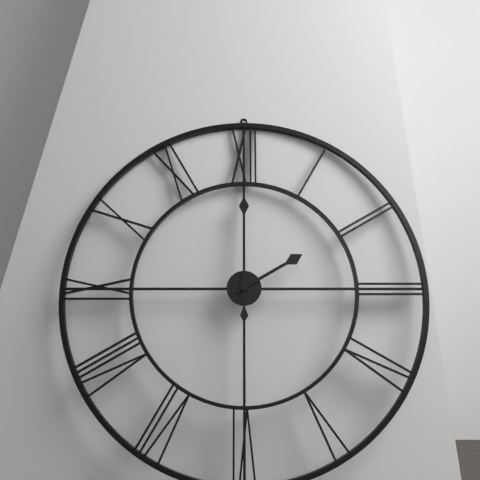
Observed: 2:00
